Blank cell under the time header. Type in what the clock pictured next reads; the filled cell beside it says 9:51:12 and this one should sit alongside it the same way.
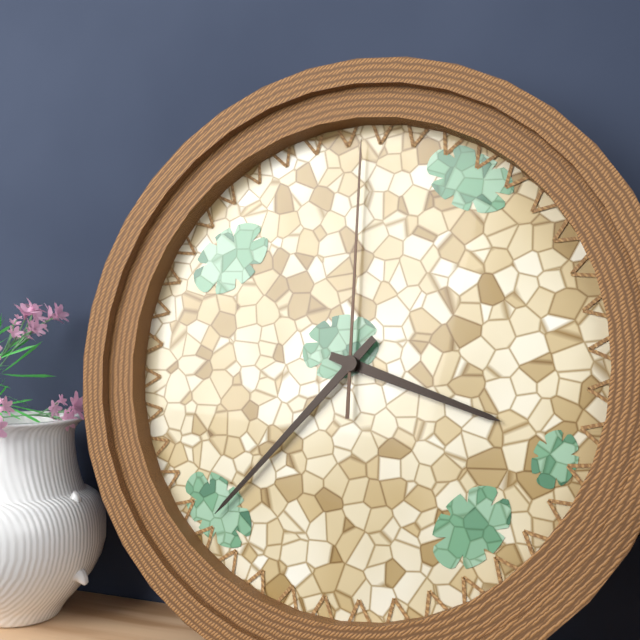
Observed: 3:37:00
